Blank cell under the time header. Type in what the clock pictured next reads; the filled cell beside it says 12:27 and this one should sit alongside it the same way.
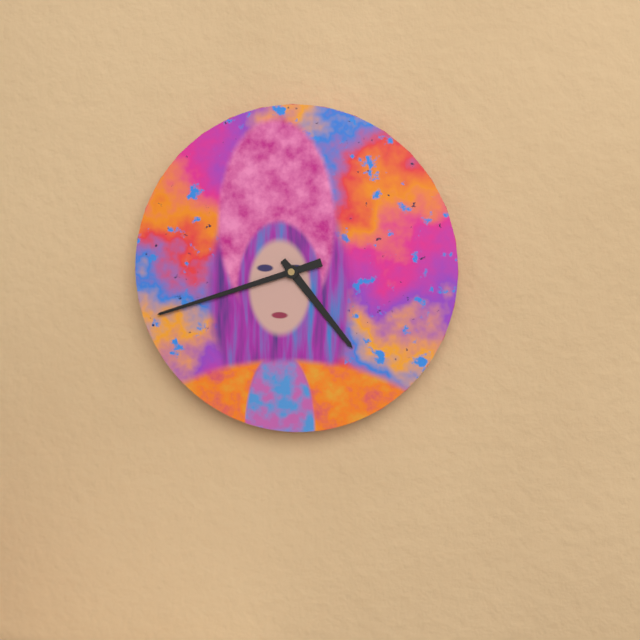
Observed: 4:42
